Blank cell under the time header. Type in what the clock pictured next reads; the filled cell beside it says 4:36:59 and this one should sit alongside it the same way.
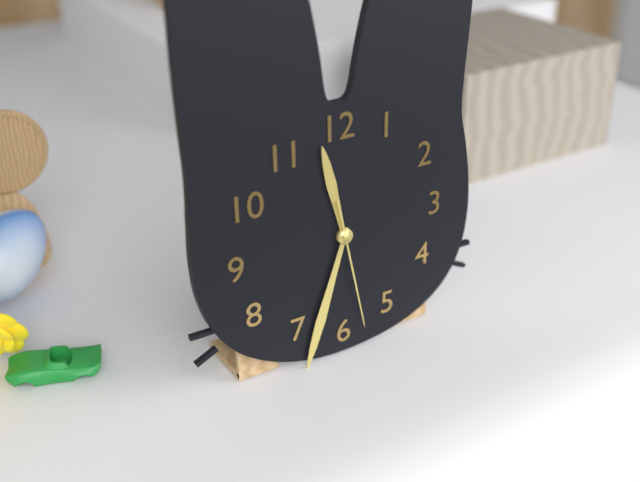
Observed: 11:33:28
